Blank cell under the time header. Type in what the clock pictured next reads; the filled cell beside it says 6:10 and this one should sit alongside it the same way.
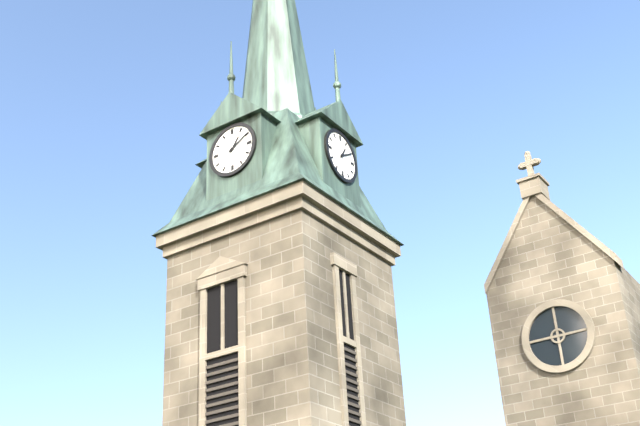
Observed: 1:10
